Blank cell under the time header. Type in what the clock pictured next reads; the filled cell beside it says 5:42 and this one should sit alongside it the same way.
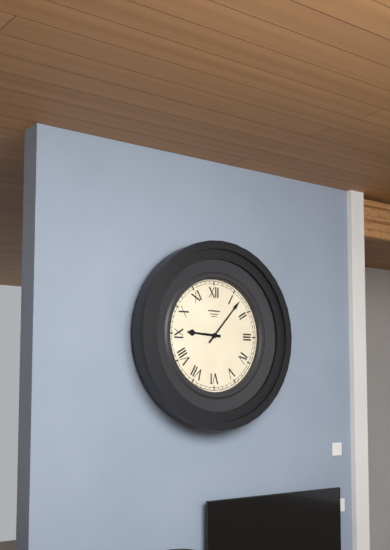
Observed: 9:07
